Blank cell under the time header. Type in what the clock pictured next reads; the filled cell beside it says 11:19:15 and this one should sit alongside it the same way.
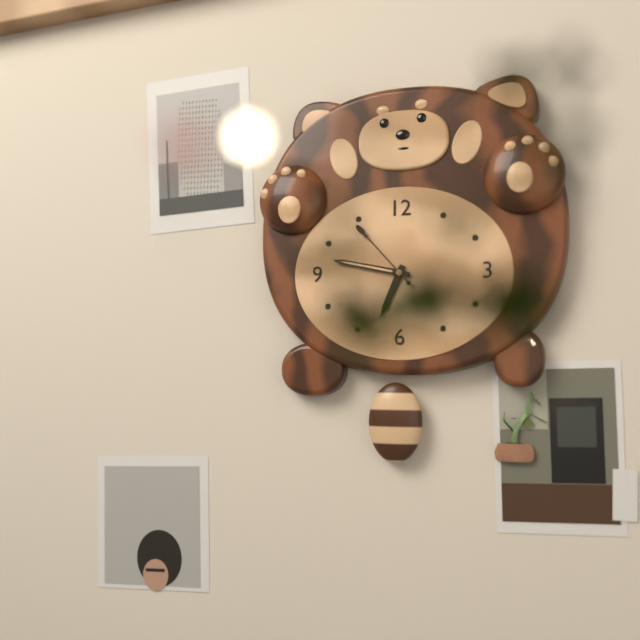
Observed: 6:47:53
